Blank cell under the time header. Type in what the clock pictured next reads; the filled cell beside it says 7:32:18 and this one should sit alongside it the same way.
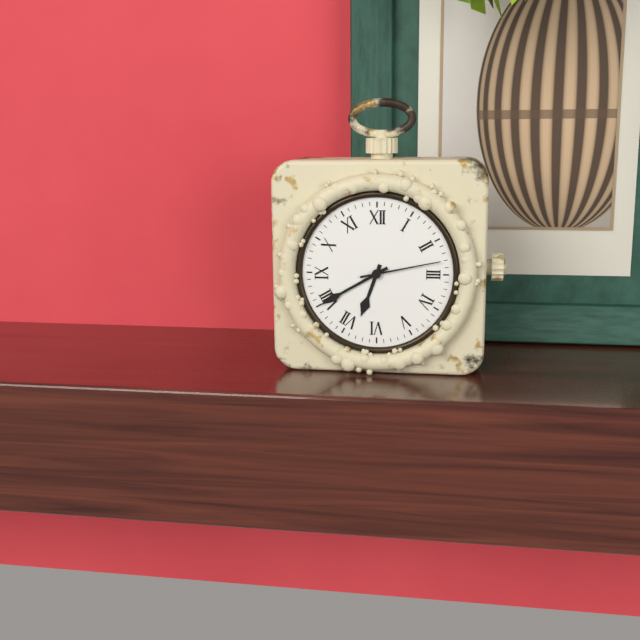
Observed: 6:40:13
